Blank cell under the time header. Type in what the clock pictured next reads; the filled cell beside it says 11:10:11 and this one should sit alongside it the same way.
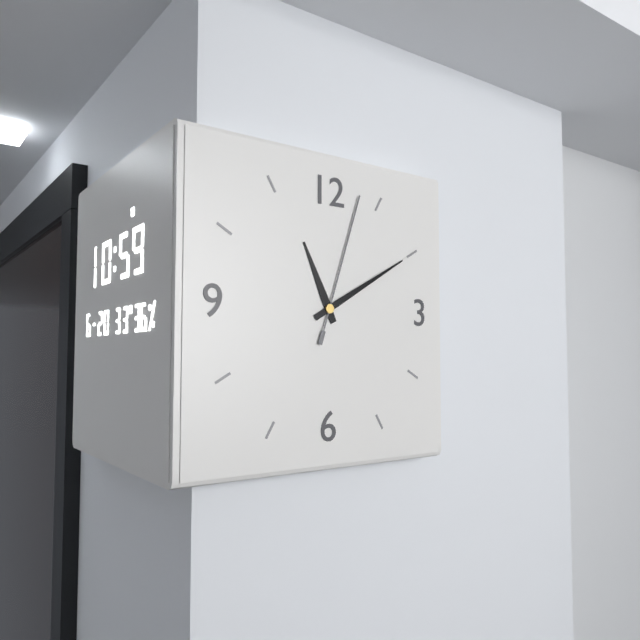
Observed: 11:10:03
